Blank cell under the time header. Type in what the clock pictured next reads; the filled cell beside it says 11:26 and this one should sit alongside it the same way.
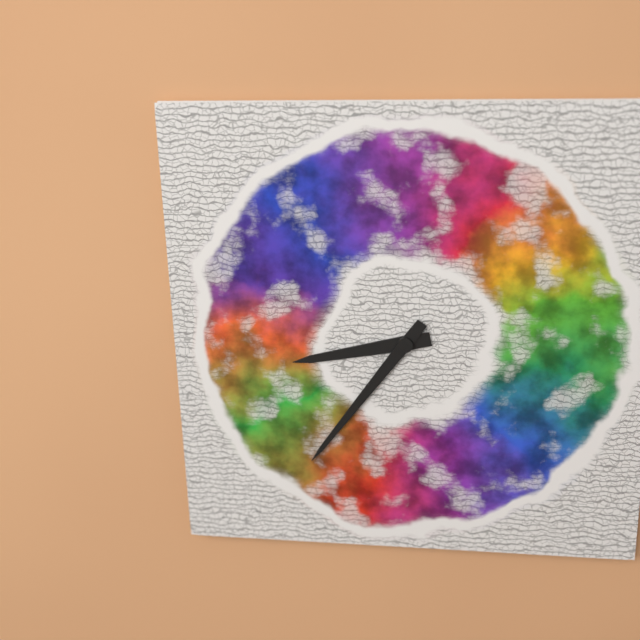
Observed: 8:36
